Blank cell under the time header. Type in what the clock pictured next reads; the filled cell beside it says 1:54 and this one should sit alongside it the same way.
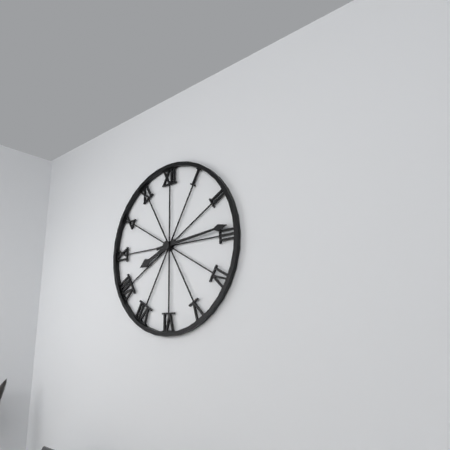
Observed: 8:14
